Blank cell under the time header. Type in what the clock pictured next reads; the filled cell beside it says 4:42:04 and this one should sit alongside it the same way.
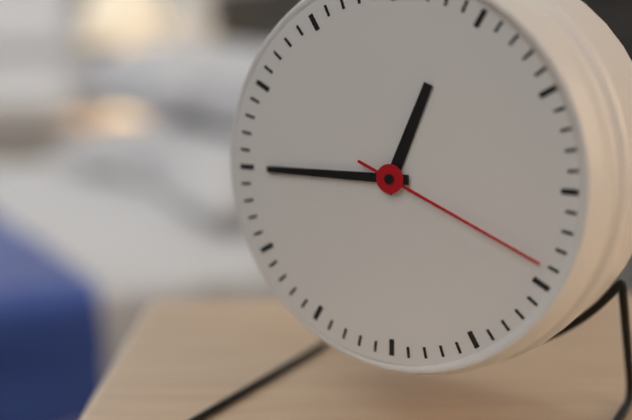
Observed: 12:45:19
